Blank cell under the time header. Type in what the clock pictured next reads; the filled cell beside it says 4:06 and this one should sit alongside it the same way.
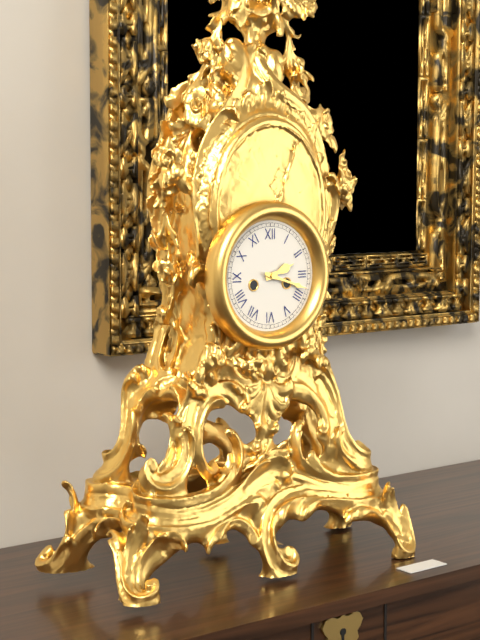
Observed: 2:18
